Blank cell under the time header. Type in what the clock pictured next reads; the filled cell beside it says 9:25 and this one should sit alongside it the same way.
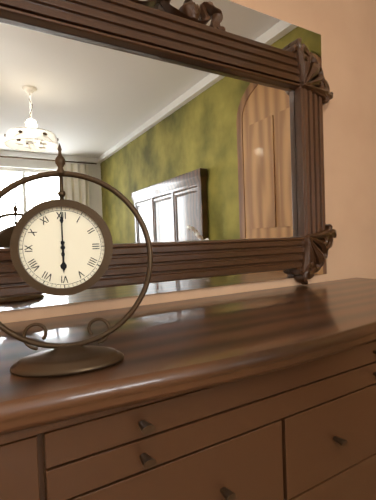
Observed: 6:00
